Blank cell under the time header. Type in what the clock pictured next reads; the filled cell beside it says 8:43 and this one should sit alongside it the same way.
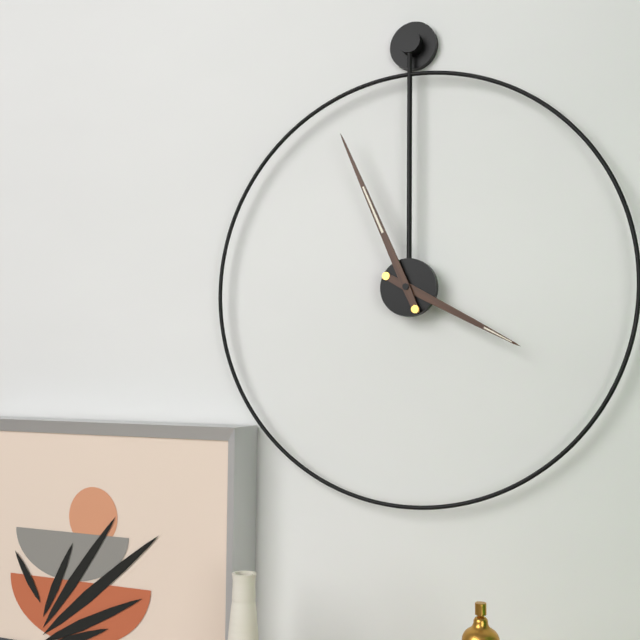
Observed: 3:56
